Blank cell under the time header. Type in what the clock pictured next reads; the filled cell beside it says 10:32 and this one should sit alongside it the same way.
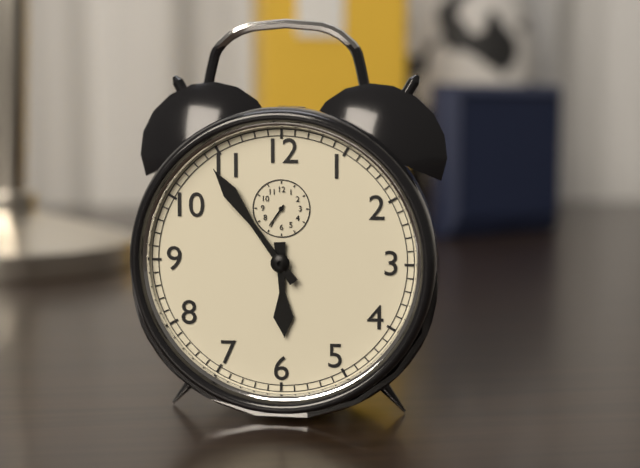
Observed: 5:54
